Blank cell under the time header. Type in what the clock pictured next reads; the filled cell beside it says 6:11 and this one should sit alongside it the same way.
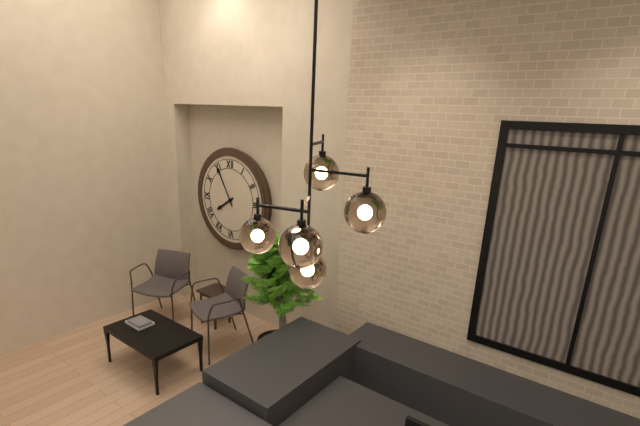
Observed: 7:55
